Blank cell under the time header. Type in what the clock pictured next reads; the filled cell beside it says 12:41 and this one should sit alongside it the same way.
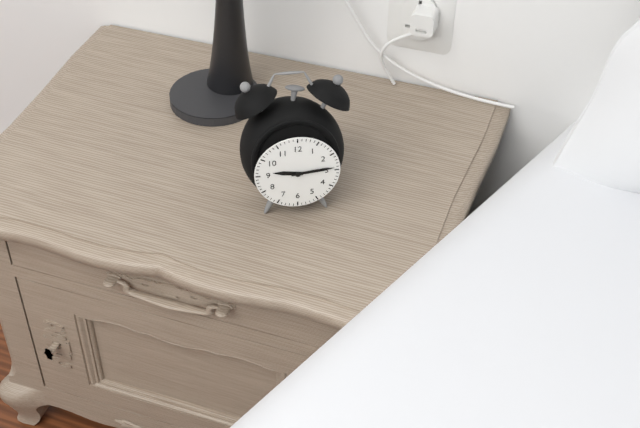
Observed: 9:14
